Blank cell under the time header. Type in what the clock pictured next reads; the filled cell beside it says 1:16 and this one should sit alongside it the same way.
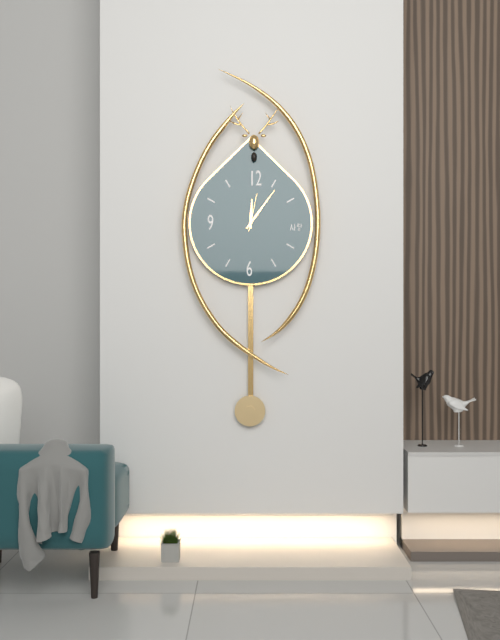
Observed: 12:06
